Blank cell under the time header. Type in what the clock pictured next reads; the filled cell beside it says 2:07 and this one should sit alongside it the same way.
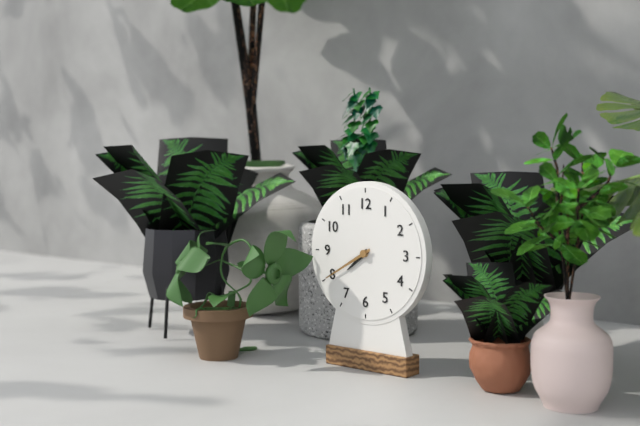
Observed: 7:40
